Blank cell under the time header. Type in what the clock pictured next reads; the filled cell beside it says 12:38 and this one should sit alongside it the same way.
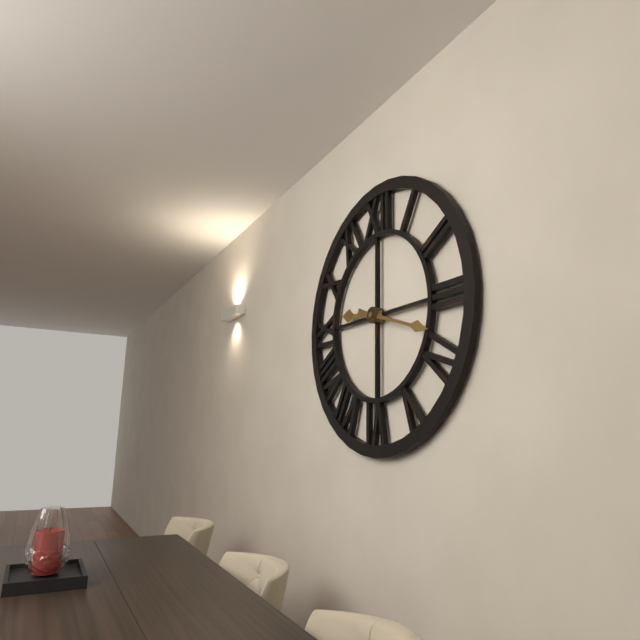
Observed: 9:18
